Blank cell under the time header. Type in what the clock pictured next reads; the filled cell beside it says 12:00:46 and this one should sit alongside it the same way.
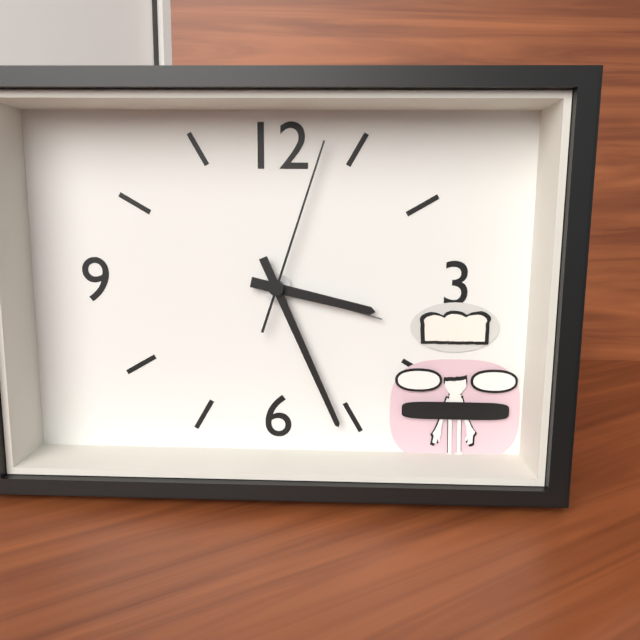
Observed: 3:26:03
